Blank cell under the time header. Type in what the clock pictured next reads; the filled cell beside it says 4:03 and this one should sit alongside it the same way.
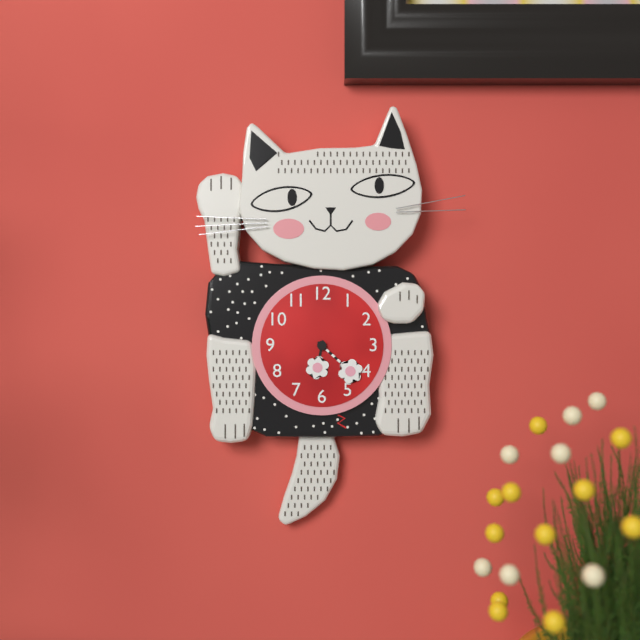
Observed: 6:22
